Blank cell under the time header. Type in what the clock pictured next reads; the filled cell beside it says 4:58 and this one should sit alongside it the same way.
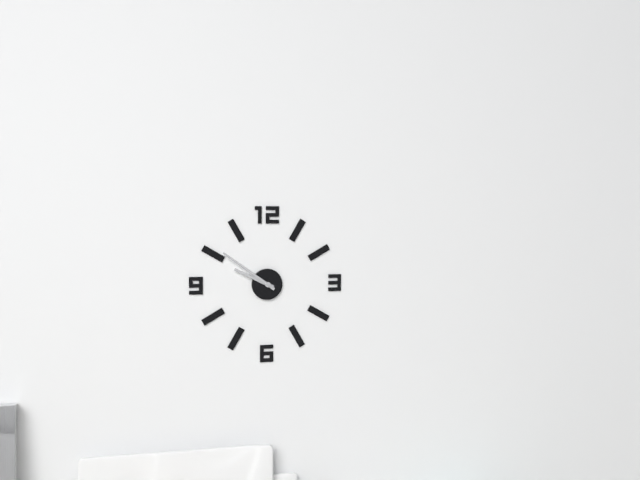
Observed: 9:51
